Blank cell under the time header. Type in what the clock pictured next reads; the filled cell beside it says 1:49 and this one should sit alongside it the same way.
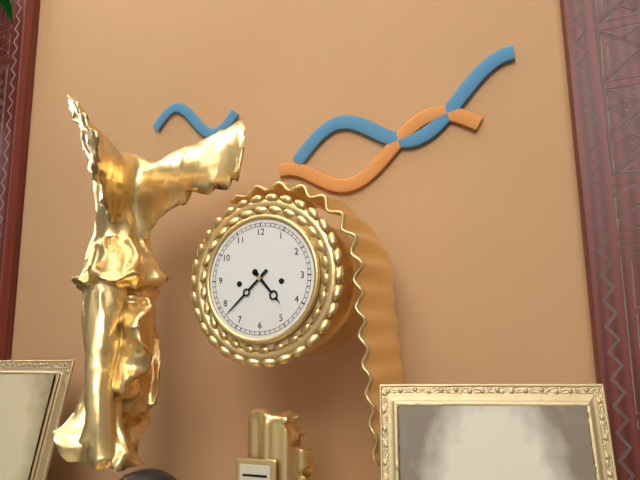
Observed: 4:38
